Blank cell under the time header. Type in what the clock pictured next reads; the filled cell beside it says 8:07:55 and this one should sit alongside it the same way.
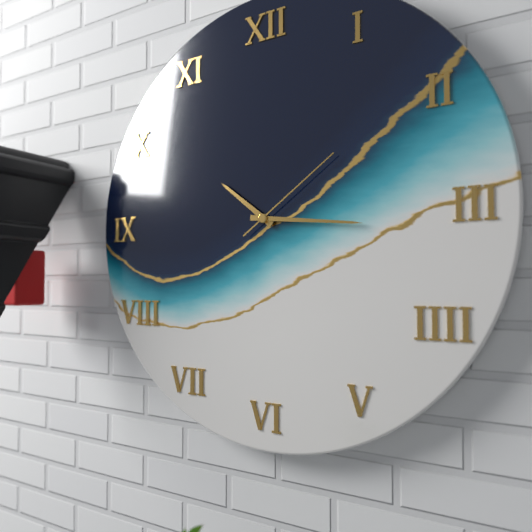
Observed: 10:16:09
